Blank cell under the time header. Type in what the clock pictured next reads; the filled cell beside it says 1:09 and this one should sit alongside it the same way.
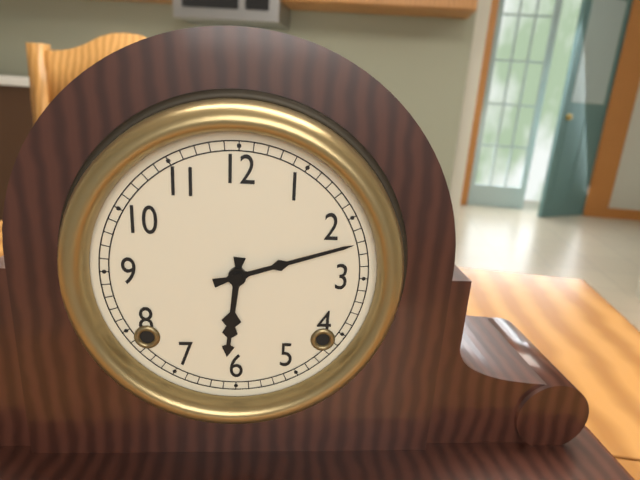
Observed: 6:12
